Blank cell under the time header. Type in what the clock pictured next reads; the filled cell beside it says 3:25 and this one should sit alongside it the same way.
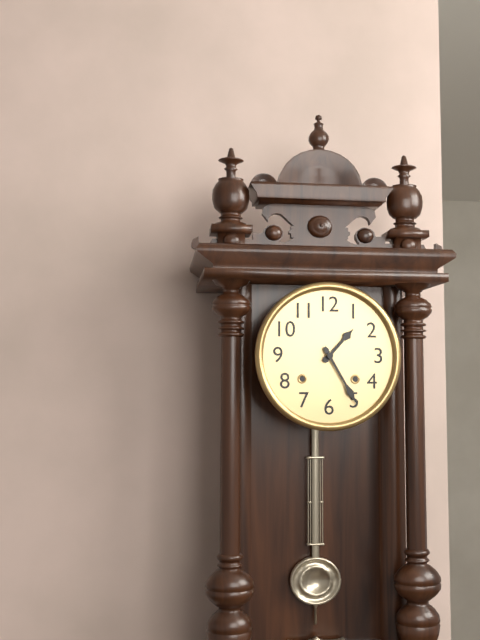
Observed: 1:25
